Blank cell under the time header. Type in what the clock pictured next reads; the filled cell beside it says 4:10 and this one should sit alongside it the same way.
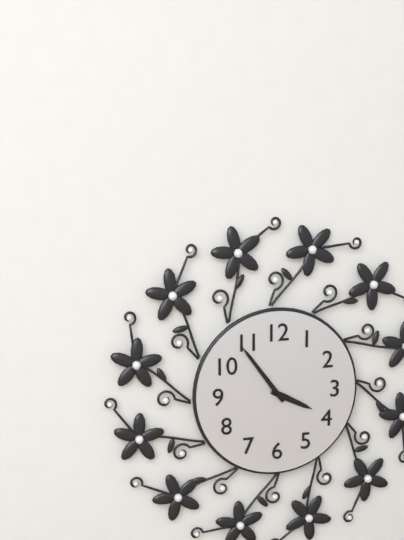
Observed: 3:54
